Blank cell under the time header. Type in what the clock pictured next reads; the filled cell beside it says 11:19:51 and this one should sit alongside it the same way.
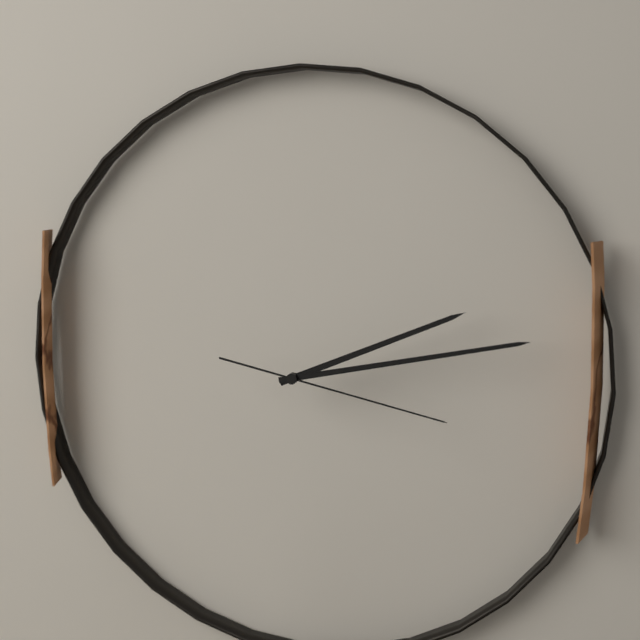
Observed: 2:13:17
